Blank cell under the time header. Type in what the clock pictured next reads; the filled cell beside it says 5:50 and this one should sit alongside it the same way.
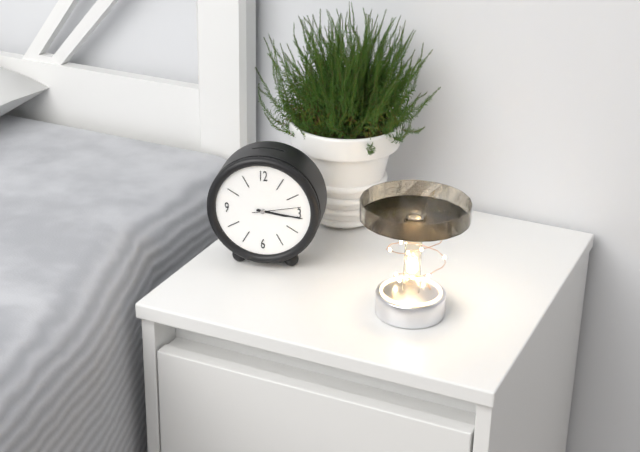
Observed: 3:16
